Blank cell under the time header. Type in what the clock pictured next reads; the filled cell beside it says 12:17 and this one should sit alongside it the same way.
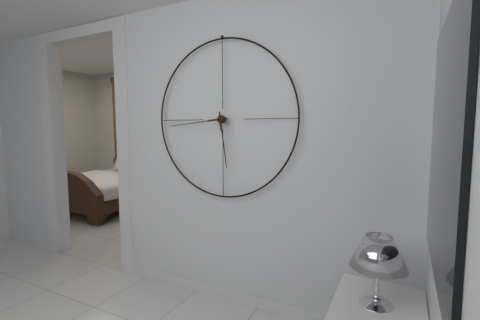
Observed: 5:44
